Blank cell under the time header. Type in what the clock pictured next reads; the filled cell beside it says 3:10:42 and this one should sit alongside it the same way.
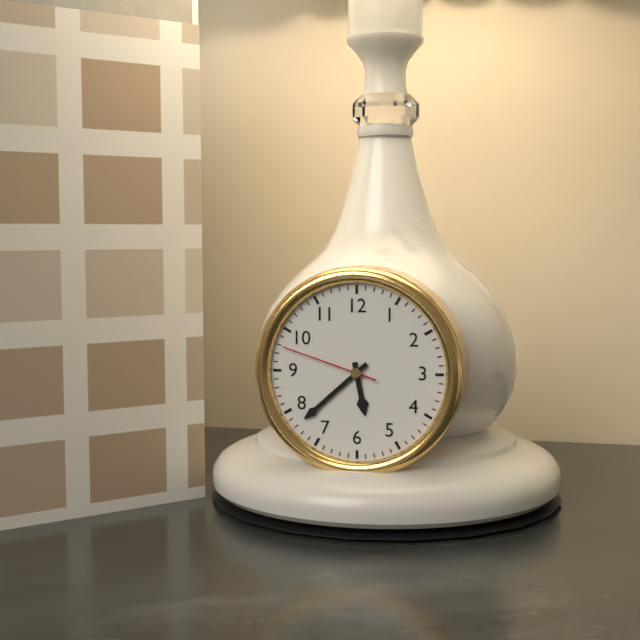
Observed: 5:38:48
